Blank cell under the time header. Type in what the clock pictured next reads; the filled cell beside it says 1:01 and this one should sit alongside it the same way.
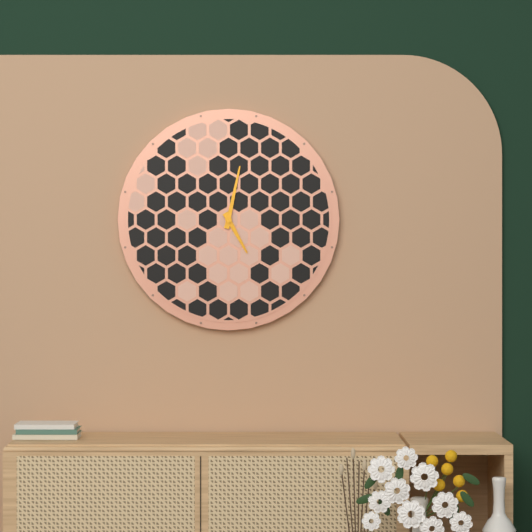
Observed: 5:02
